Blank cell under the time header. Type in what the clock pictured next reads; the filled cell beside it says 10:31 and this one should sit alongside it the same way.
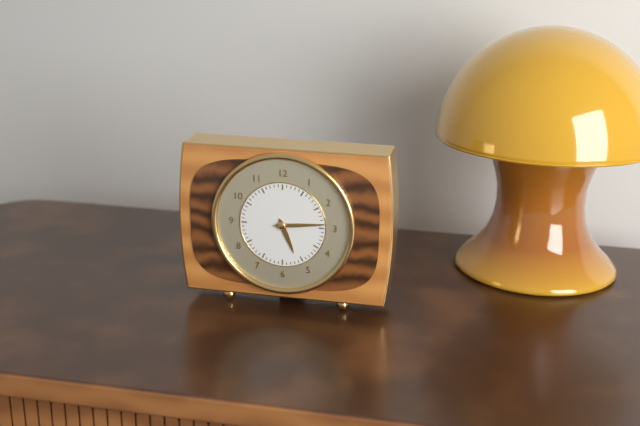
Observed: 5:14
